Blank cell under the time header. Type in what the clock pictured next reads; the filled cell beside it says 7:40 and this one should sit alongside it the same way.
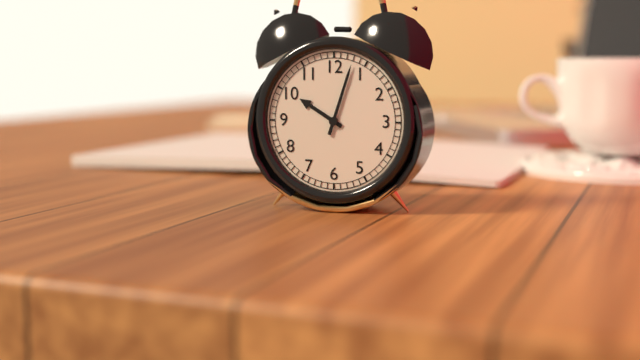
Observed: 10:03
